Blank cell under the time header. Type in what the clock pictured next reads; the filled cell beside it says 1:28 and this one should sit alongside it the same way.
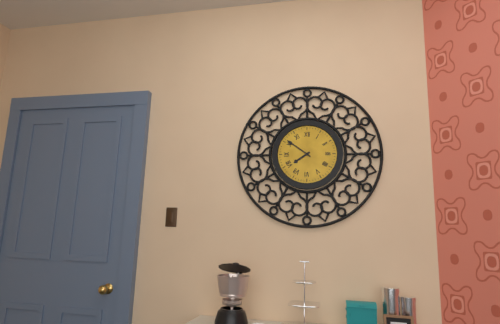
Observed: 7:51
